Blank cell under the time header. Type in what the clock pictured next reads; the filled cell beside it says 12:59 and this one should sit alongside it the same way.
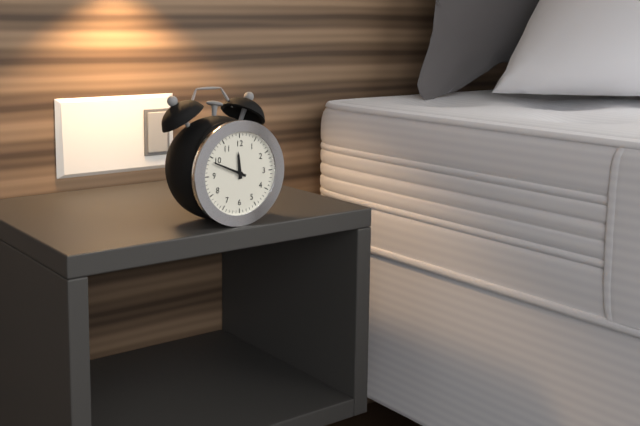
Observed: 11:49
